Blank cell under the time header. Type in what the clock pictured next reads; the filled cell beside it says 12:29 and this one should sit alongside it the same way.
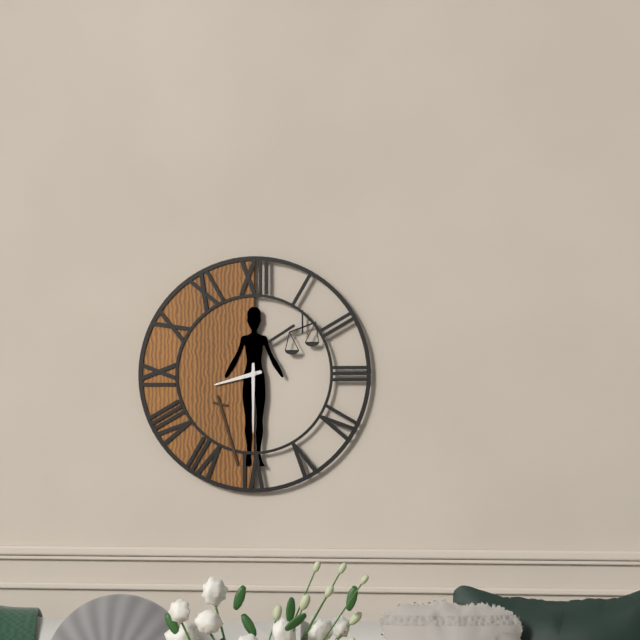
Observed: 8:30
